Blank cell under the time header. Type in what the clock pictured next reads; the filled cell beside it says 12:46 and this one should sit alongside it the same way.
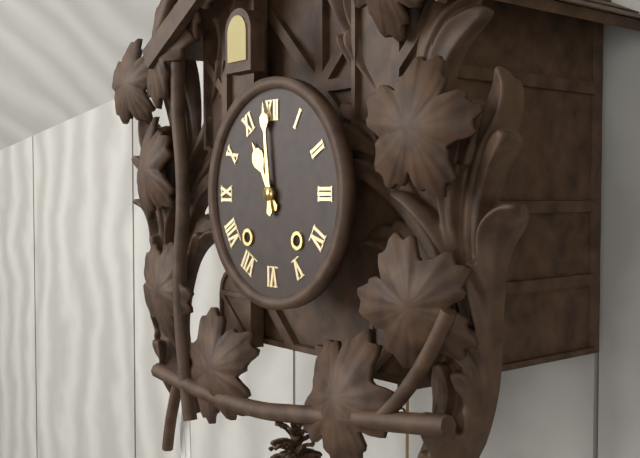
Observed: 10:59
